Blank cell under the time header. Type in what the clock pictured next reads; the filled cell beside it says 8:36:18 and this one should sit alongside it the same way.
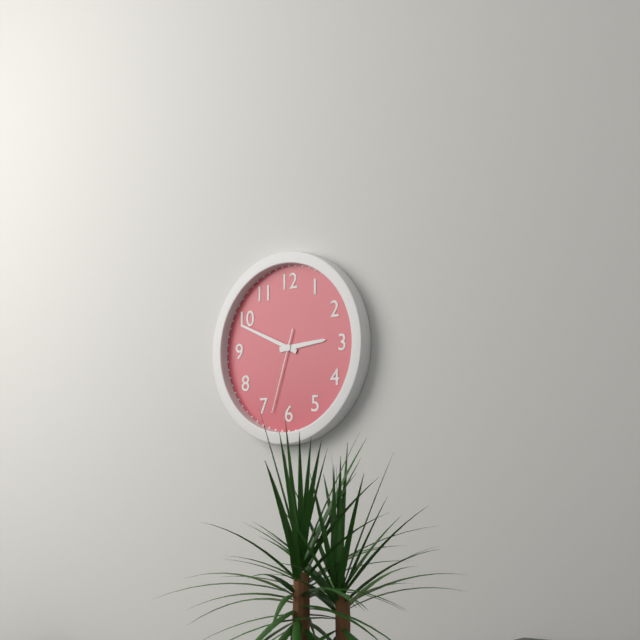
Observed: 2:49:33
